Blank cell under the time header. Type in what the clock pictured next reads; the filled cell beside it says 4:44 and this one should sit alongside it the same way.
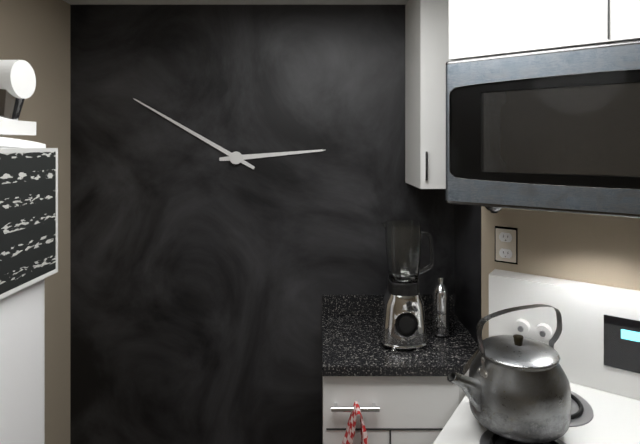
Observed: 2:50
